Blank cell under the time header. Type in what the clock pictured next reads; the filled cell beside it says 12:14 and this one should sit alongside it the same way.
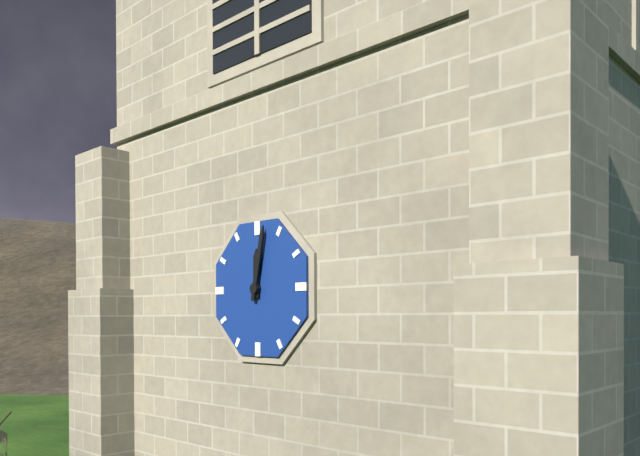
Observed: 12:02
